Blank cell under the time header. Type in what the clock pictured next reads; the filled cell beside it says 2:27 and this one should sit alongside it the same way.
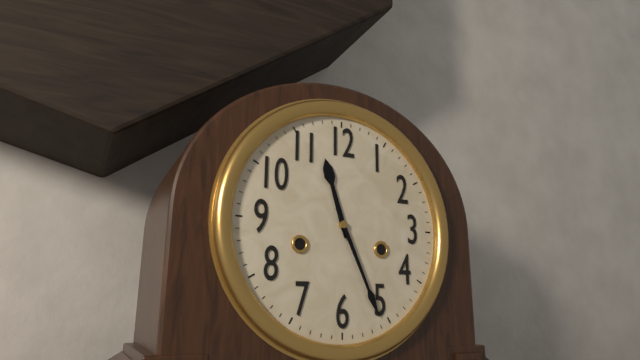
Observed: 11:26
